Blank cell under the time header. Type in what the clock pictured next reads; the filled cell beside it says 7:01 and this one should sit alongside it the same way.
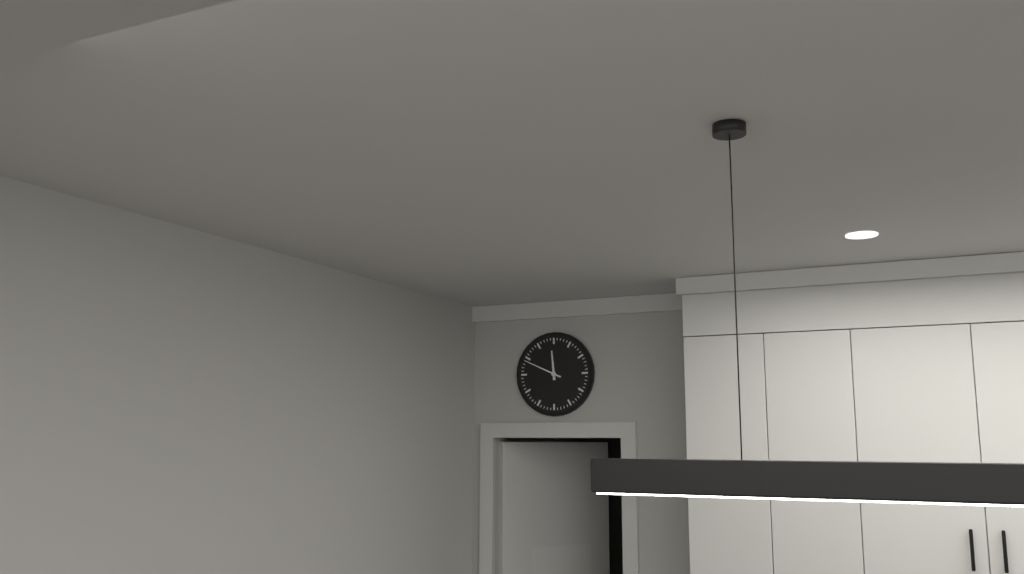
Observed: 11:49
